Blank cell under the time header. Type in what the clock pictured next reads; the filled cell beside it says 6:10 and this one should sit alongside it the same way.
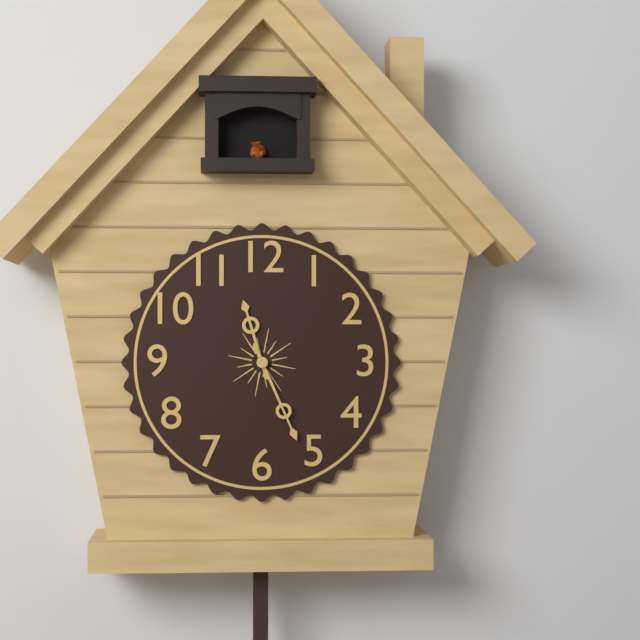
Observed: 11:26
